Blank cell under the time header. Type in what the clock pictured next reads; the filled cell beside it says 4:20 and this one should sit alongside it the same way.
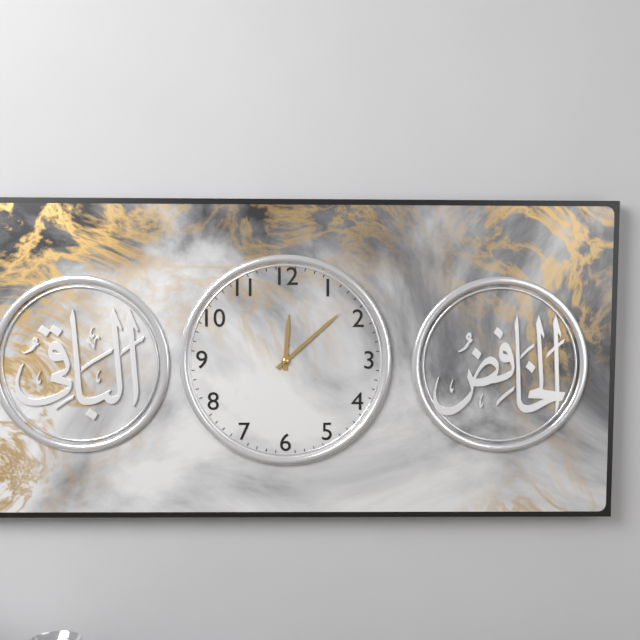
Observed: 12:08
